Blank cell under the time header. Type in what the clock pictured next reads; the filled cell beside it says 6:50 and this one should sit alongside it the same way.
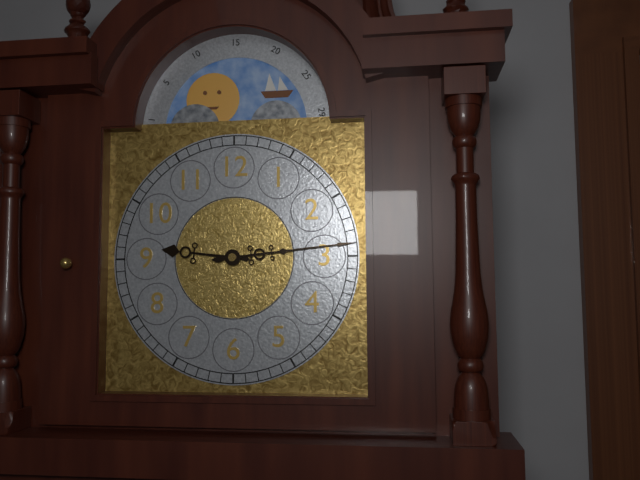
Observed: 9:14
